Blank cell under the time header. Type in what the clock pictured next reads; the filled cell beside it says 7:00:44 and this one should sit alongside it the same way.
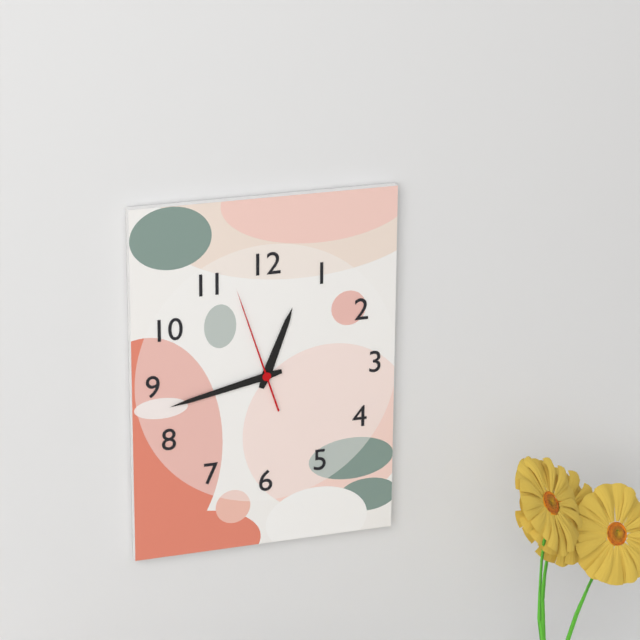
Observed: 12:43:57
